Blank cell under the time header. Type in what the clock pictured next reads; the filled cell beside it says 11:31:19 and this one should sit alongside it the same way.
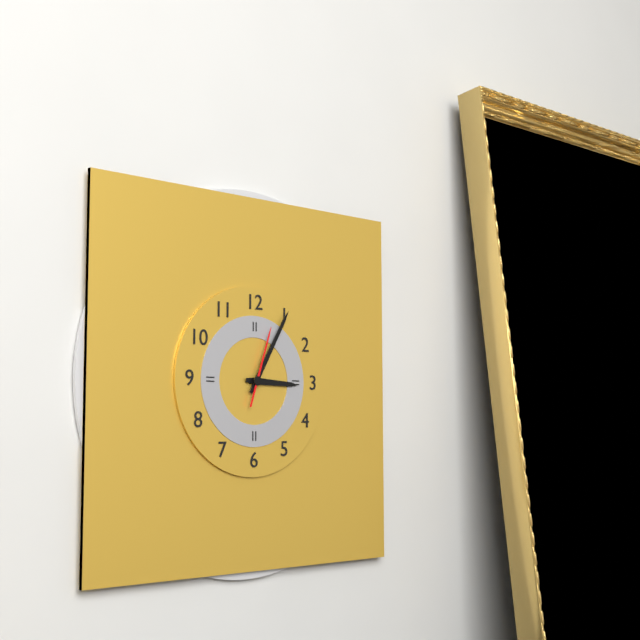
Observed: 3:05:03
